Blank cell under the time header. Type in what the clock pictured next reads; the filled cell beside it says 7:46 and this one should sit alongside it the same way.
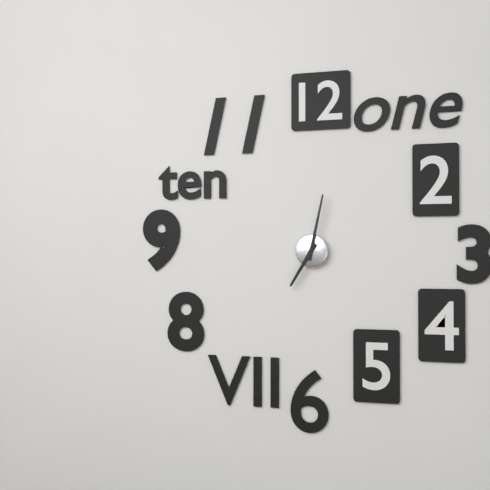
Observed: 7:02
